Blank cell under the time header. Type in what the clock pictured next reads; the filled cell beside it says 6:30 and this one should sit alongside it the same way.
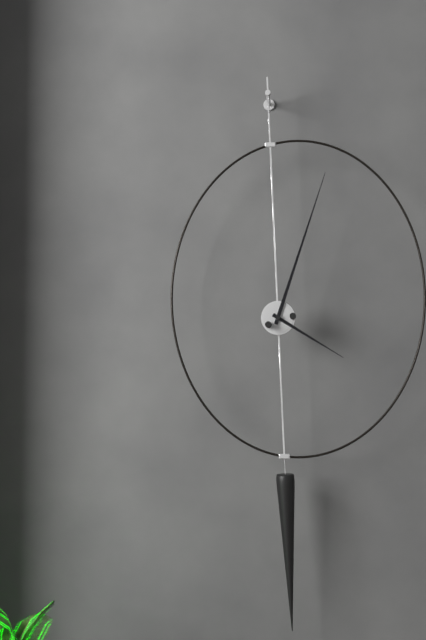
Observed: 4:03
